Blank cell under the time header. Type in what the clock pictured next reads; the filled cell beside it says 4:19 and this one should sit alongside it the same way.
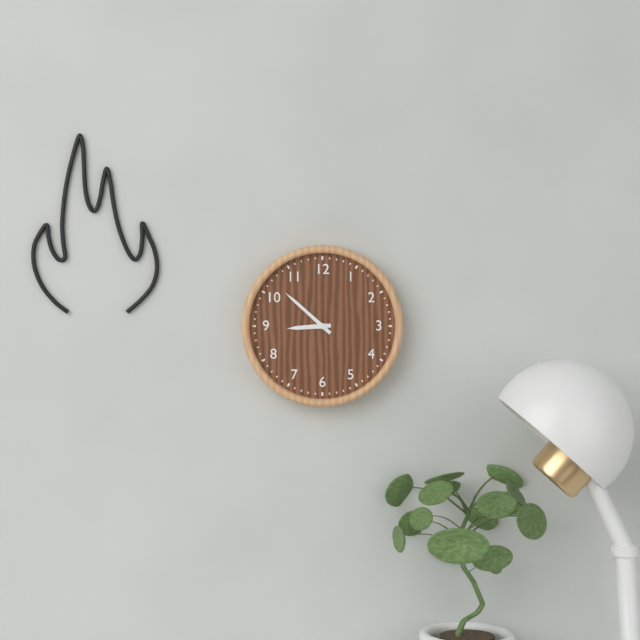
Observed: 8:52
